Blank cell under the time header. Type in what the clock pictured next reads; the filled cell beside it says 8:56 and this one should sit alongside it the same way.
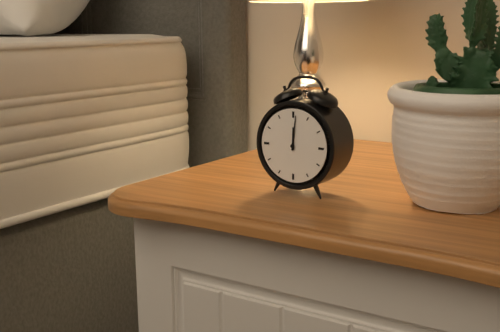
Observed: 12:01
